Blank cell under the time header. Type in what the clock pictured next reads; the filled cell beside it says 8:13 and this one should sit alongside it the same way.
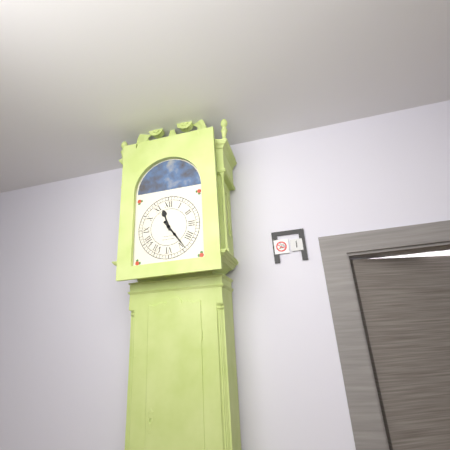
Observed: 11:24
